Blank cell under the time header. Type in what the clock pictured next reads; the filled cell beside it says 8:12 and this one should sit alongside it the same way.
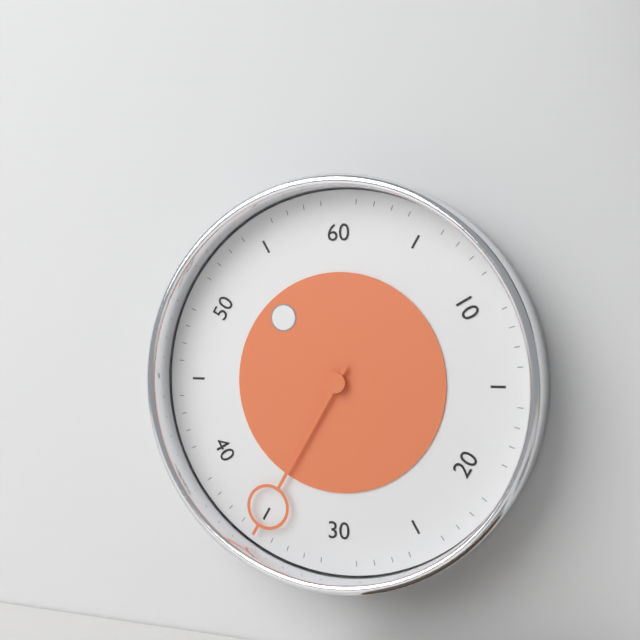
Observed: 10:35
